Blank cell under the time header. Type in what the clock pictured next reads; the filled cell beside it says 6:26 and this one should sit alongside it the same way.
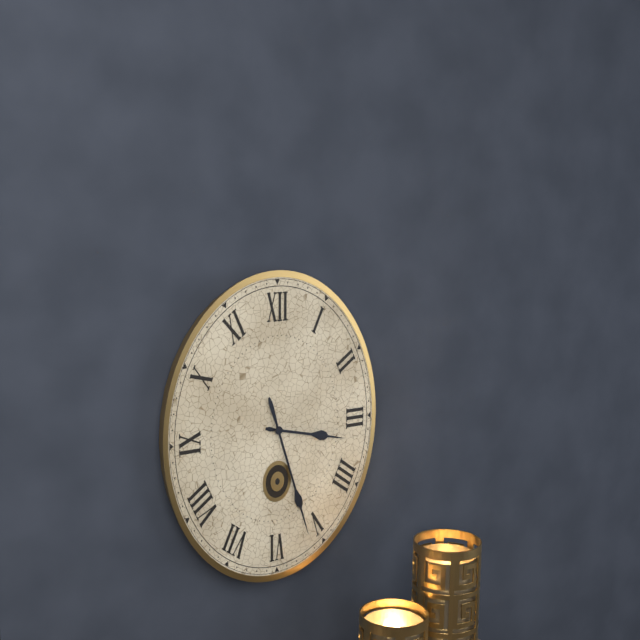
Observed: 3:27
